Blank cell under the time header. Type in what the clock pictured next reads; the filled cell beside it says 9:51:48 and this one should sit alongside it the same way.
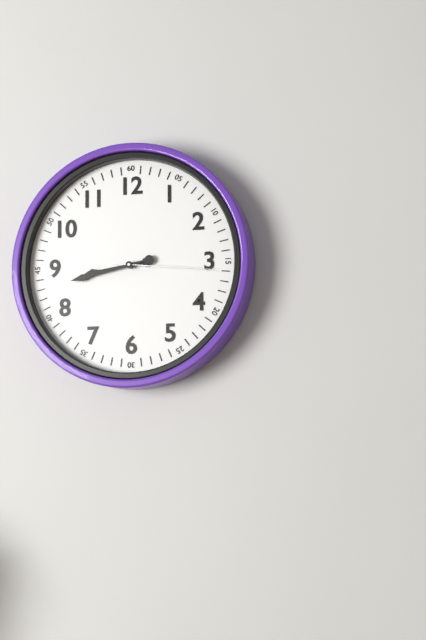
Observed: 8:43:16
